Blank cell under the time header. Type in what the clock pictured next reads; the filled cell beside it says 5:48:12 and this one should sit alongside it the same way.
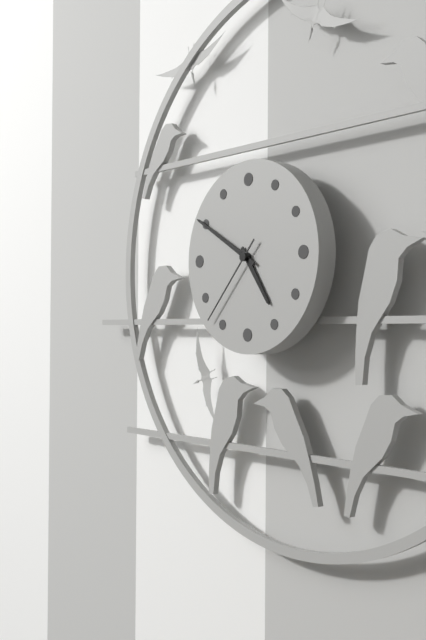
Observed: 4:50:37
